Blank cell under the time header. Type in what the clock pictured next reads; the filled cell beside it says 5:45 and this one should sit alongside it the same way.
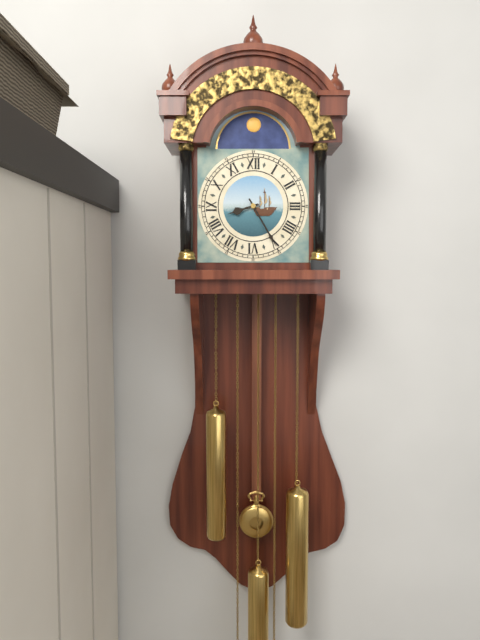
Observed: 8:25
